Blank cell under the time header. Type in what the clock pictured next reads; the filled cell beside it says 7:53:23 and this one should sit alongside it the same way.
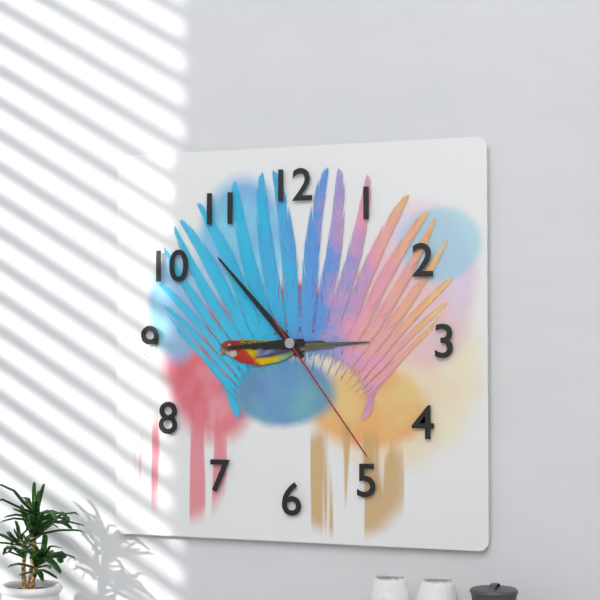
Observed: 8:53:24
